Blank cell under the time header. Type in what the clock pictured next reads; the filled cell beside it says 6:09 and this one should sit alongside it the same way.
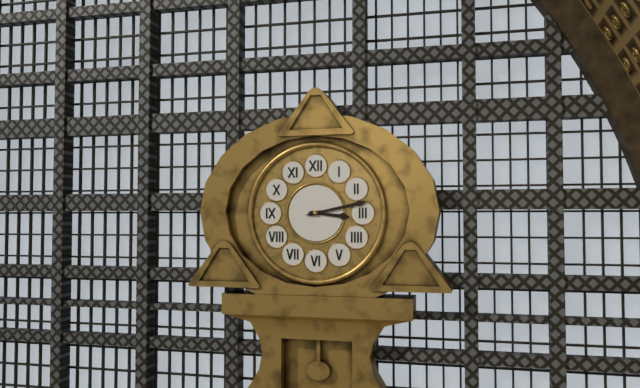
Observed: 3:13
